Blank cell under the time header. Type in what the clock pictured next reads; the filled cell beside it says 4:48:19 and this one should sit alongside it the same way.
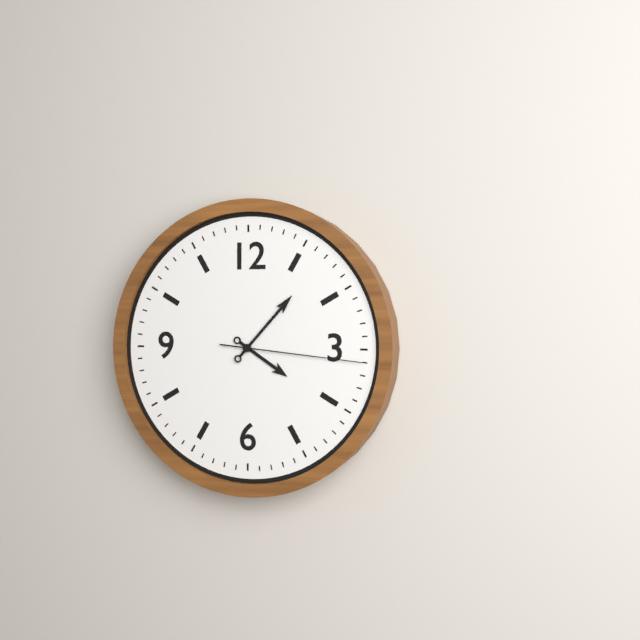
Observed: 4:07:16
